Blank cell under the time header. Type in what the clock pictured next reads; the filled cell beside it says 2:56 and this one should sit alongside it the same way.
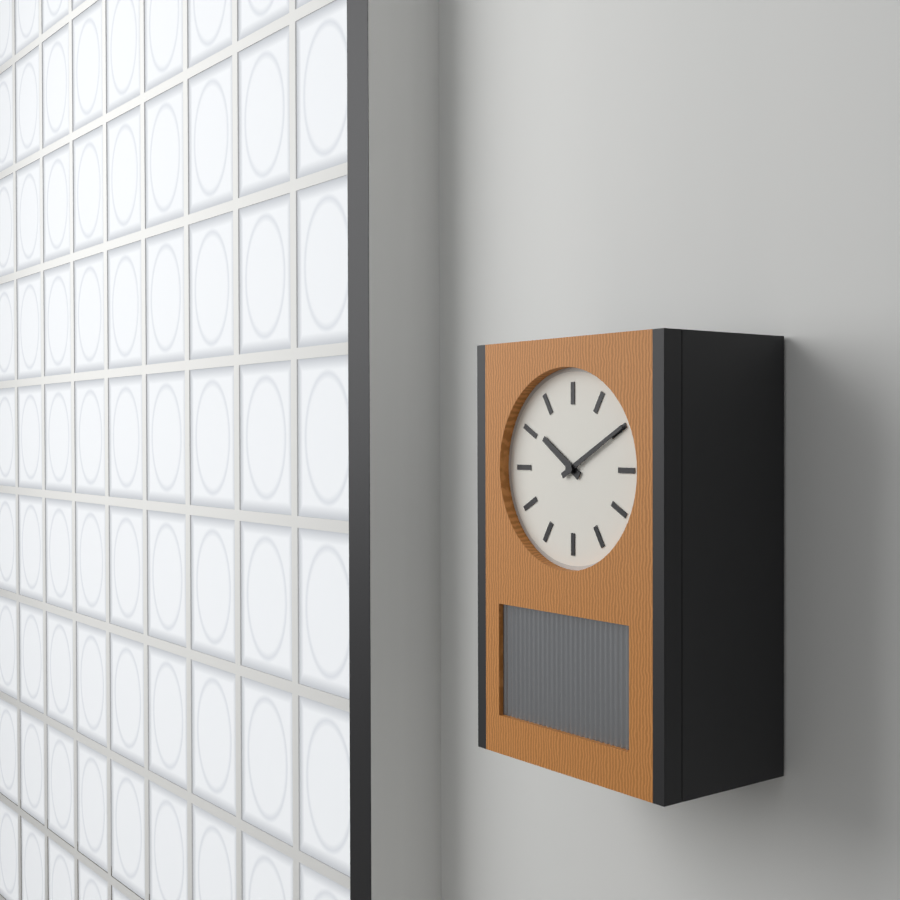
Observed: 10:10
